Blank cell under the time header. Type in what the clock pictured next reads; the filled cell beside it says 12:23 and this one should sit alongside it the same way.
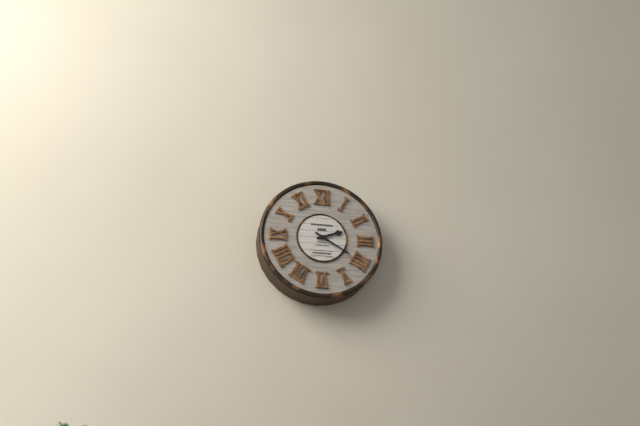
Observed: 2:20
